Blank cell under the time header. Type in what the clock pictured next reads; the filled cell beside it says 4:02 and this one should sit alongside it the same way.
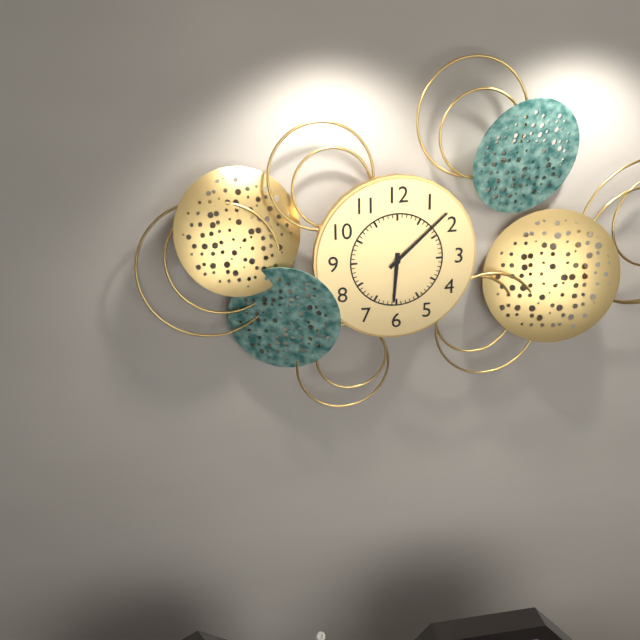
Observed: 6:08
